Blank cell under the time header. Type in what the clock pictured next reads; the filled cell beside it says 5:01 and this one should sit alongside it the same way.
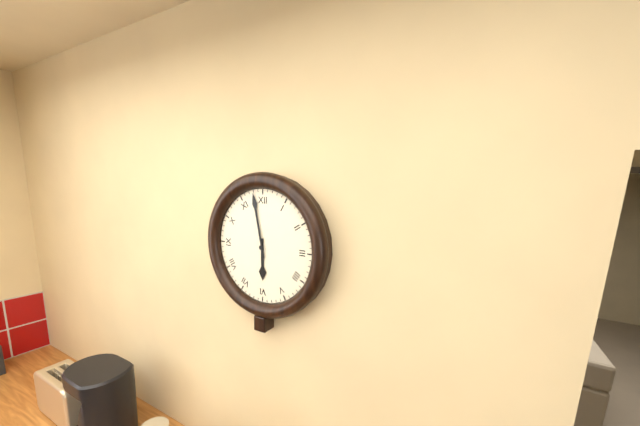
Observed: 5:58
